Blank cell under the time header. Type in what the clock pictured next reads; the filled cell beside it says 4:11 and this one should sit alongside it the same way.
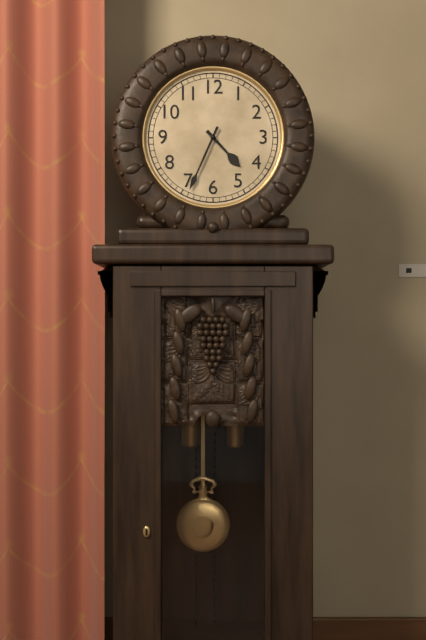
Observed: 4:34
